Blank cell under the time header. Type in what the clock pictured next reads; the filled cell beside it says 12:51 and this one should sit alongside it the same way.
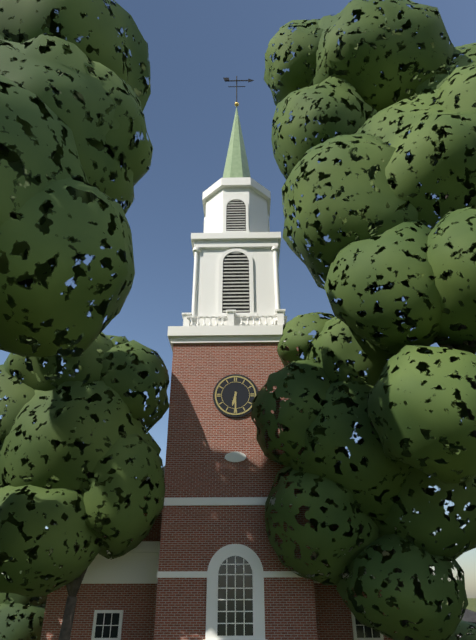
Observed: 6:30
